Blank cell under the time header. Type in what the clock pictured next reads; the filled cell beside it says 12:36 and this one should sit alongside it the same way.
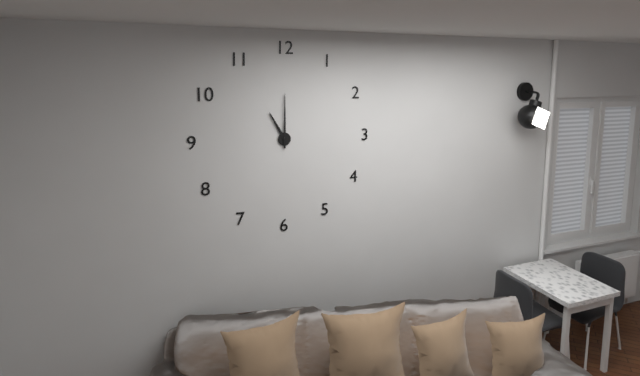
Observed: 11:00
